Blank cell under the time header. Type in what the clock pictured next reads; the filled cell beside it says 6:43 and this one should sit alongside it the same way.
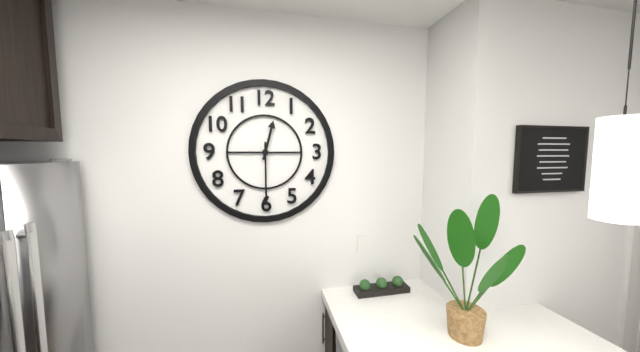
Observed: 12:30
